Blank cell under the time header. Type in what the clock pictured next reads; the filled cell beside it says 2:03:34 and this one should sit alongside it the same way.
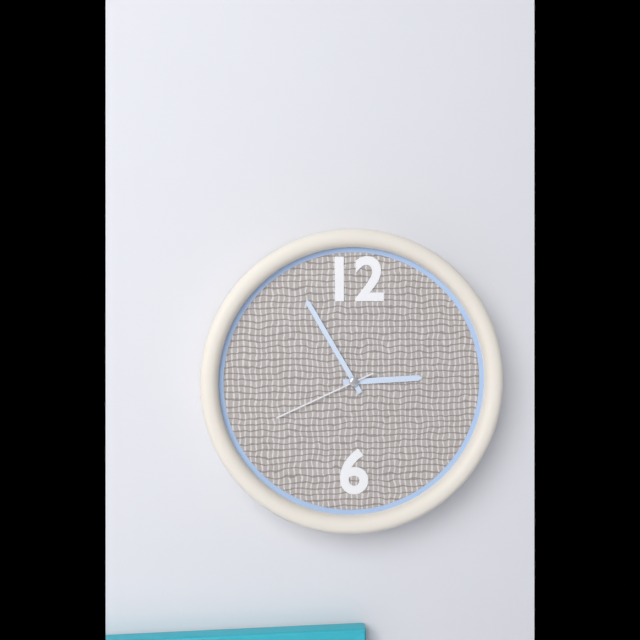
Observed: 2:55:41
